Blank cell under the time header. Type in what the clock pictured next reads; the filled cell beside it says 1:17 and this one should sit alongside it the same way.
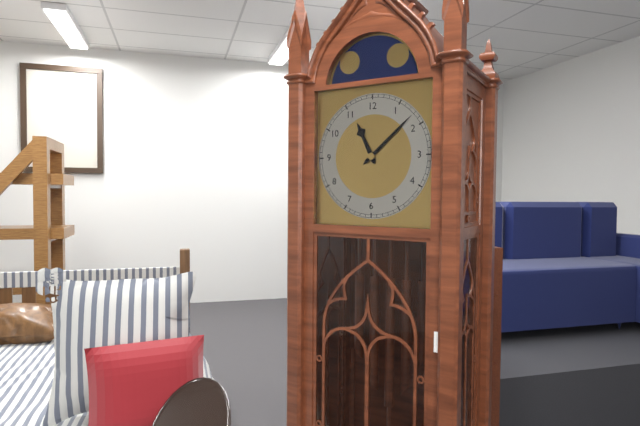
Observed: 11:08
